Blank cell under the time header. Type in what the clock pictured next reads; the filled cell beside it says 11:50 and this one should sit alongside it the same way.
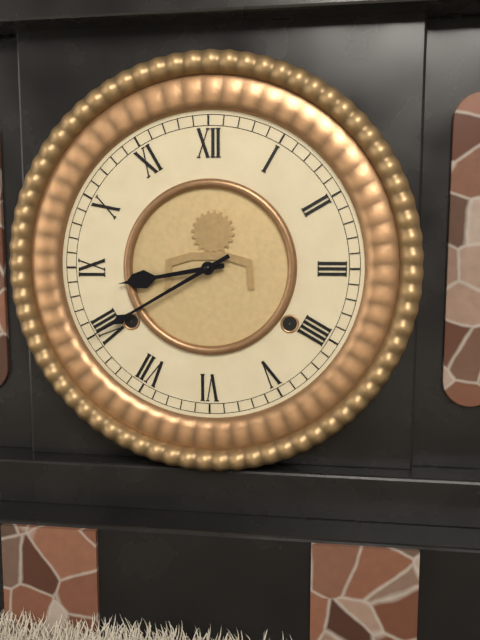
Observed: 8:40
